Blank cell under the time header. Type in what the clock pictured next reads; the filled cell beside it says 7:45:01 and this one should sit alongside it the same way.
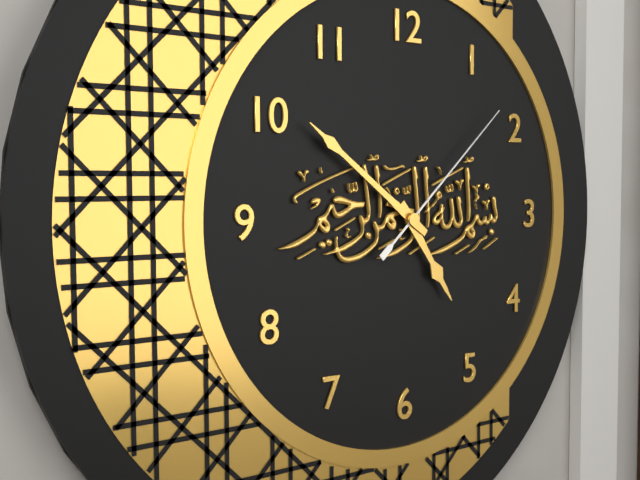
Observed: 4:51:08
